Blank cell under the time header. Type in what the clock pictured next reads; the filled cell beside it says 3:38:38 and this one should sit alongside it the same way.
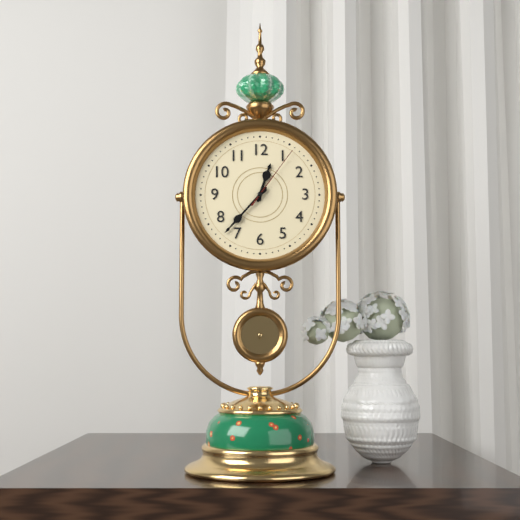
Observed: 12:37:06
